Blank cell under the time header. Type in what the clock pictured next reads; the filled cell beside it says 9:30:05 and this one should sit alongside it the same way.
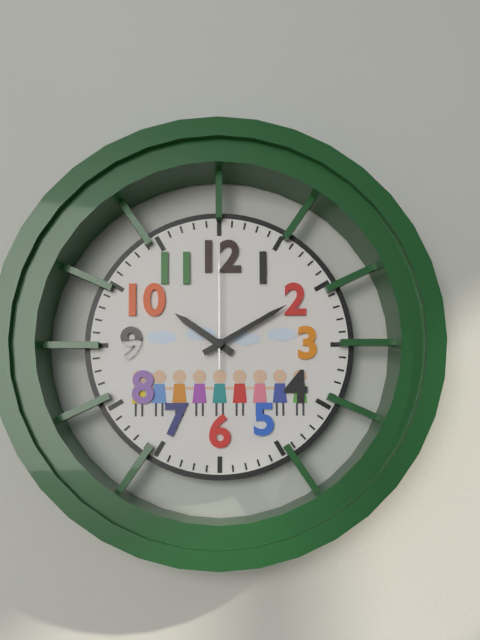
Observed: 10:10:00
